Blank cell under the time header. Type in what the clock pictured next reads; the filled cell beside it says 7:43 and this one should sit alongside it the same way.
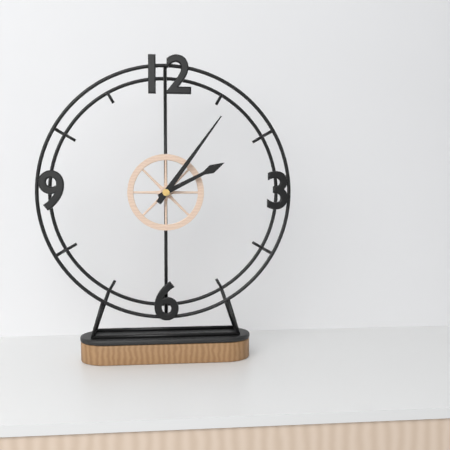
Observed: 2:06
